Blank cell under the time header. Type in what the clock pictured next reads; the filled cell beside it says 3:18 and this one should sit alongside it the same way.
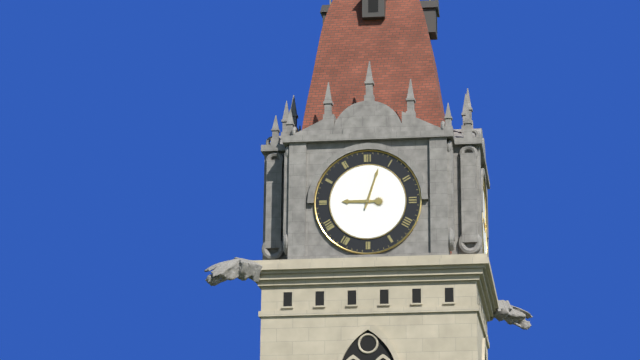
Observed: 9:03
